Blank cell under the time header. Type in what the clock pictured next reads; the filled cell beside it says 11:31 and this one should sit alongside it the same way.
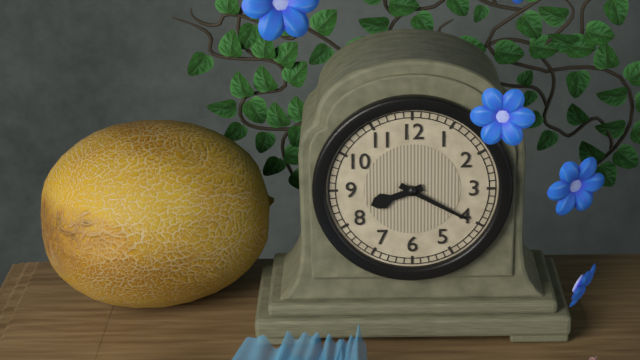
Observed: 8:20
